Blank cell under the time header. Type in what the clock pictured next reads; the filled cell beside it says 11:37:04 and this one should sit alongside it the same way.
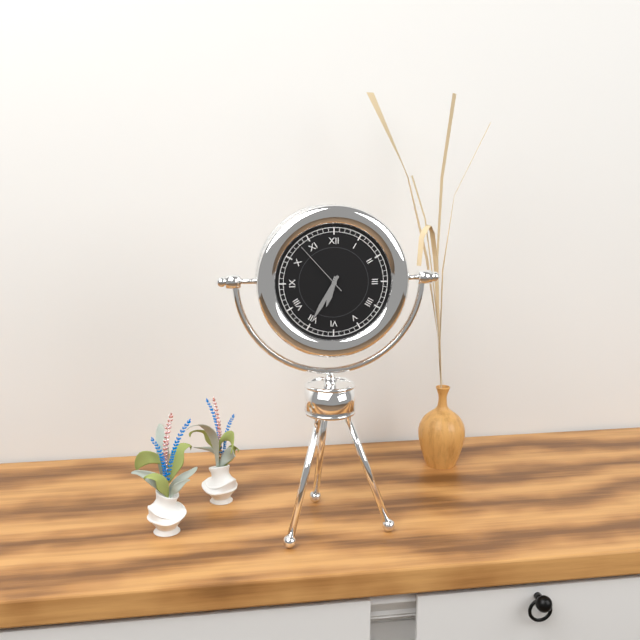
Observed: 6:35:53
